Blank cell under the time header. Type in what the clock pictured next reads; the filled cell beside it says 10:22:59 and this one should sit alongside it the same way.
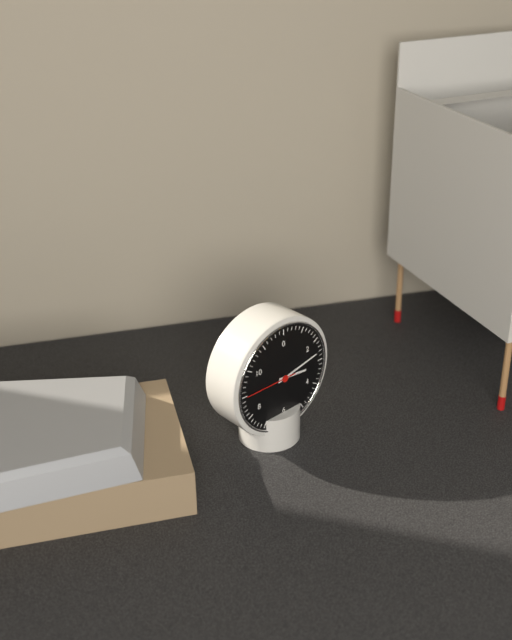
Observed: 3:13:45
